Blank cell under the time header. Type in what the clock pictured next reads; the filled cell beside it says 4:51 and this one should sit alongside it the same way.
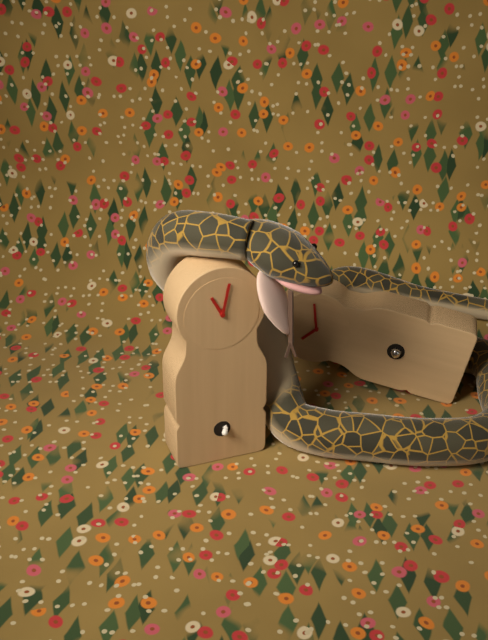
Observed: 11:02
